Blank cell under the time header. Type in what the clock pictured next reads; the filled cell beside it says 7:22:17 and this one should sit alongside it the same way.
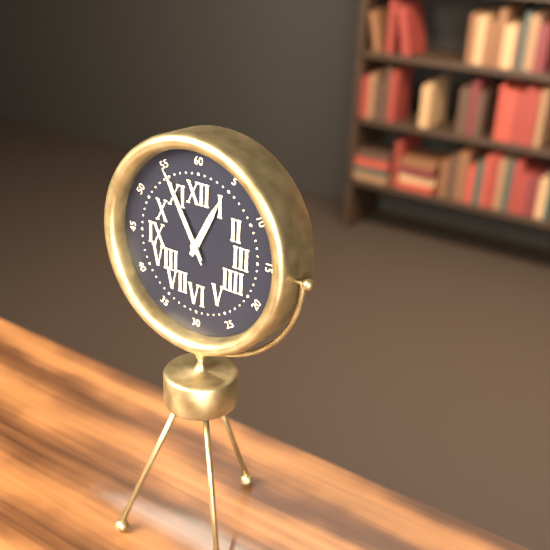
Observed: 12:55:55
